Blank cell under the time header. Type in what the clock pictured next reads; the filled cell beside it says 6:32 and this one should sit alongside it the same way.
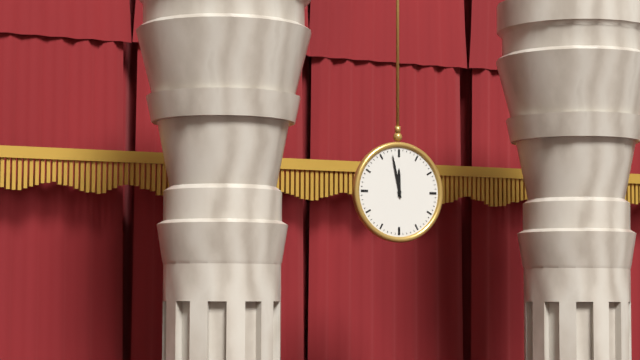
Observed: 11:58
